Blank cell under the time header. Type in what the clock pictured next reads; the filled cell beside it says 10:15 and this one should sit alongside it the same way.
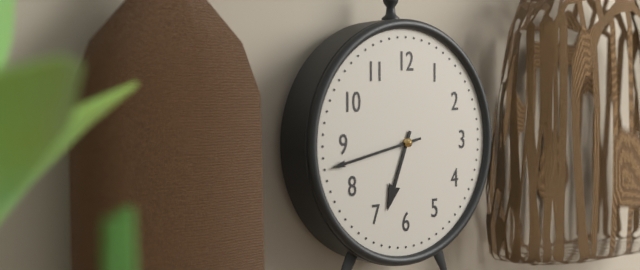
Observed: 6:43
